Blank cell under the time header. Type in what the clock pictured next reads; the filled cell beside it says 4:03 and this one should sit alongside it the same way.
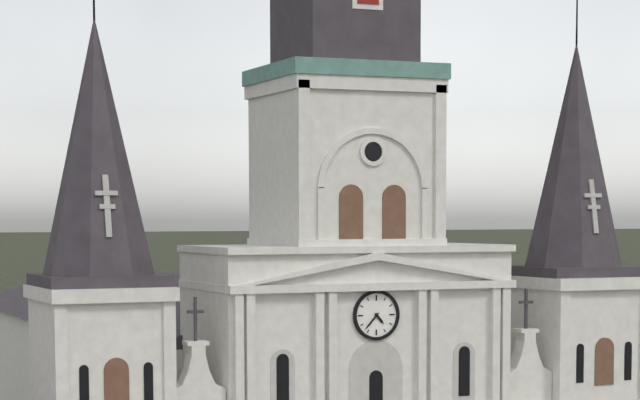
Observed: 4:37
